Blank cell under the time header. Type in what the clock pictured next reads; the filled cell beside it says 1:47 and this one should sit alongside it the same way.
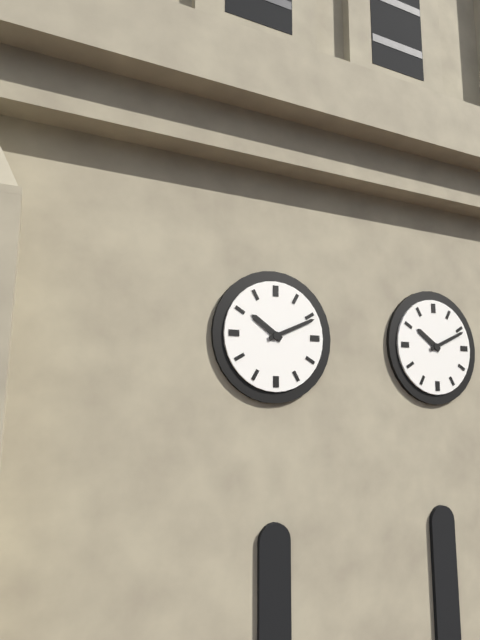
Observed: 10:11
